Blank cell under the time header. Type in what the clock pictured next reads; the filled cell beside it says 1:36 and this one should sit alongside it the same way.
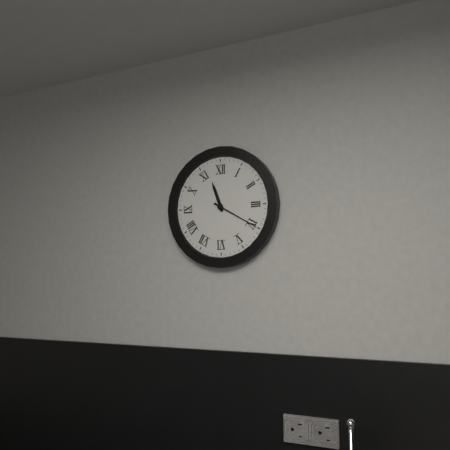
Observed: 11:20
